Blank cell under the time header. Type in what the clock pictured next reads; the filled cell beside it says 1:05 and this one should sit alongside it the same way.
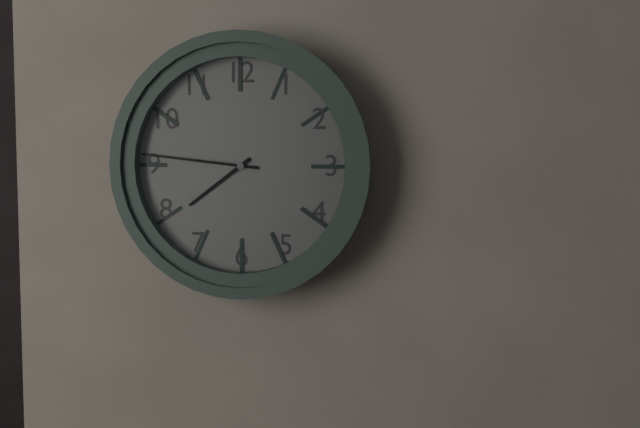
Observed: 7:46
